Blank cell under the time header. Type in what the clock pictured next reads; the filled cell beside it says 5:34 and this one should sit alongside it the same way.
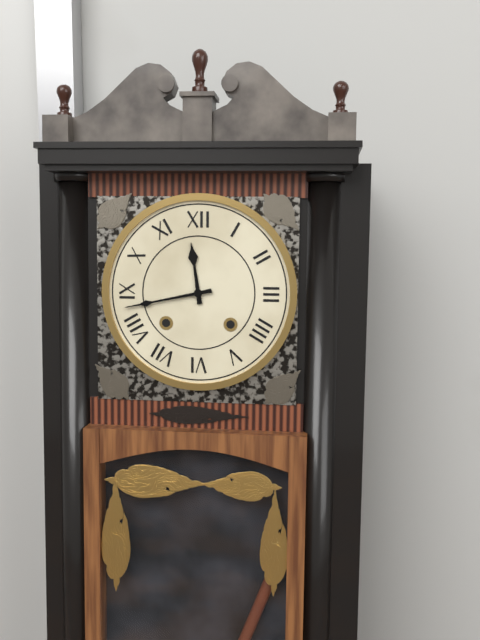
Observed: 11:43
